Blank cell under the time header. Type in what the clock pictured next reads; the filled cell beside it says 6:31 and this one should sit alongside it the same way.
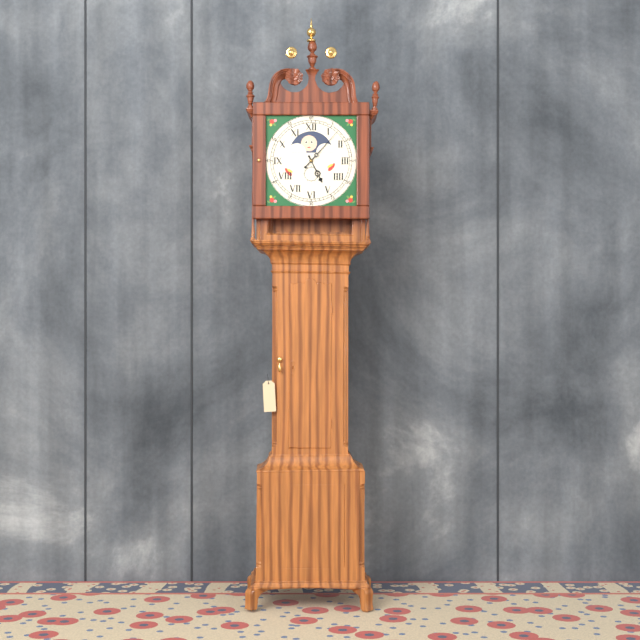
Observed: 5:07
